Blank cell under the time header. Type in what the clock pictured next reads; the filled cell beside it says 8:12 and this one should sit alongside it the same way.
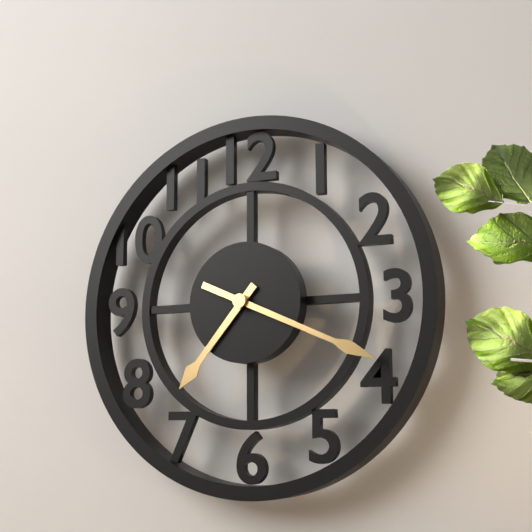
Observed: 7:19
